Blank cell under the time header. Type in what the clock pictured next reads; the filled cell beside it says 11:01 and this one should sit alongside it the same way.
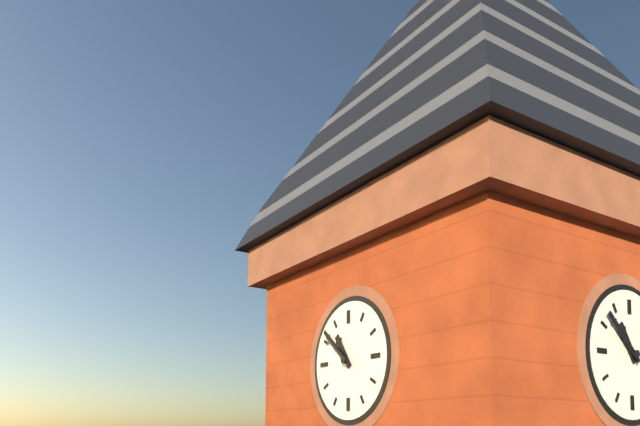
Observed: 10:52
